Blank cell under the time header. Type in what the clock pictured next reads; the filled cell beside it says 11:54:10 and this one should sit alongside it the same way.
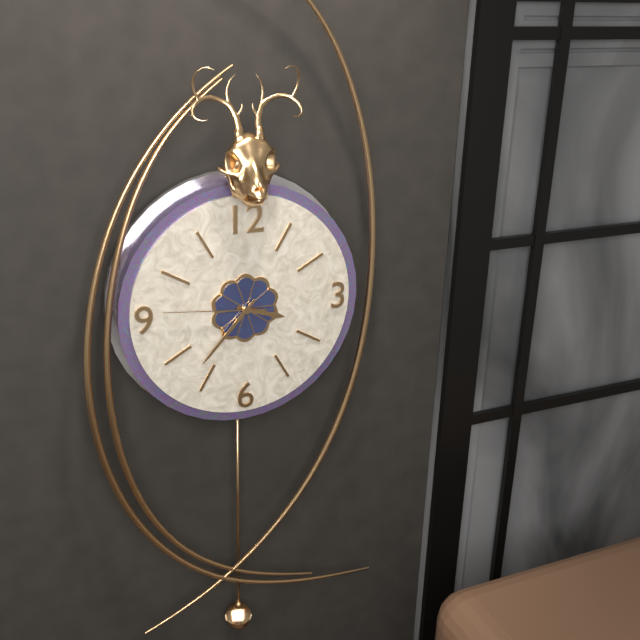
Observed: 3:37:46
